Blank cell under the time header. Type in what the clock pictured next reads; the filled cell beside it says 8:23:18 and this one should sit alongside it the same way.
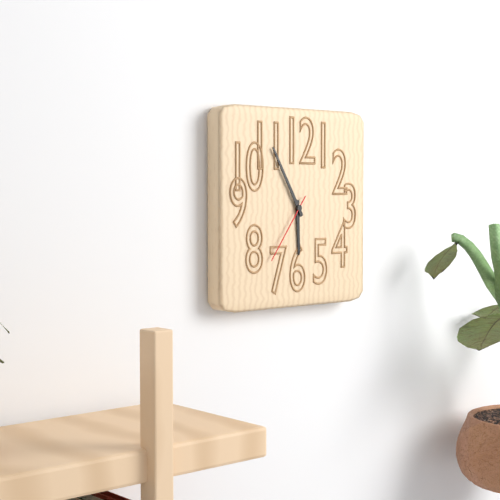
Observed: 5:55:36
